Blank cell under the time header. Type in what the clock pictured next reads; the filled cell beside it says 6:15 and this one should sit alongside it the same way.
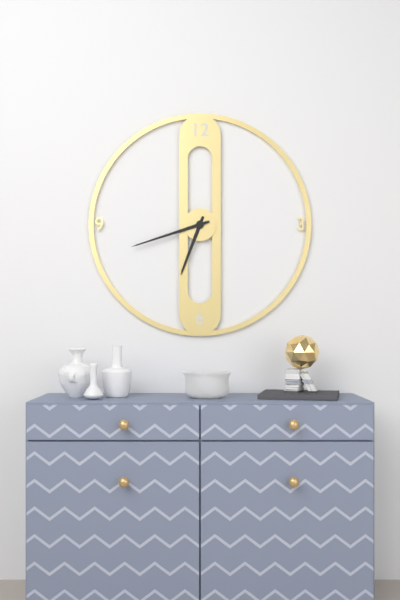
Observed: 6:42
